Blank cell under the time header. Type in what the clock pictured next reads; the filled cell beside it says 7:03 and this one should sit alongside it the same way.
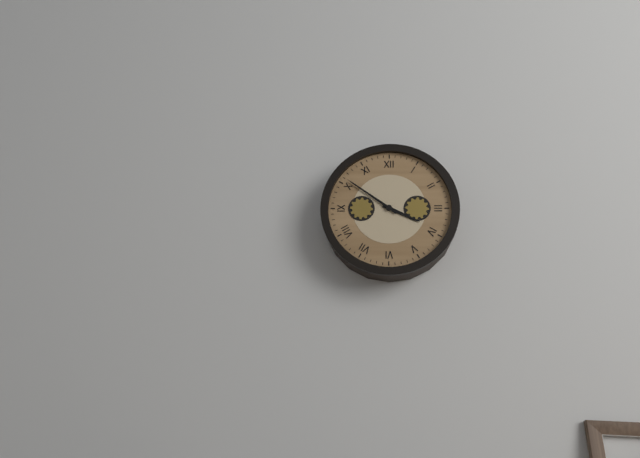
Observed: 3:51
